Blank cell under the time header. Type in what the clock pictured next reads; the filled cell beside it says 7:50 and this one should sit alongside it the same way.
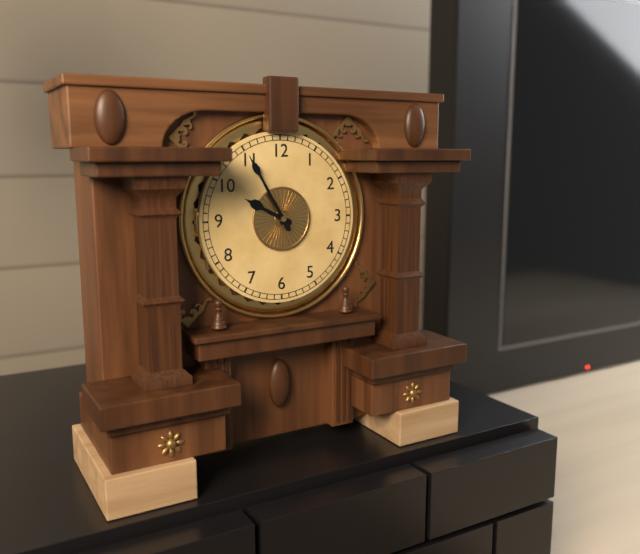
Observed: 9:55
